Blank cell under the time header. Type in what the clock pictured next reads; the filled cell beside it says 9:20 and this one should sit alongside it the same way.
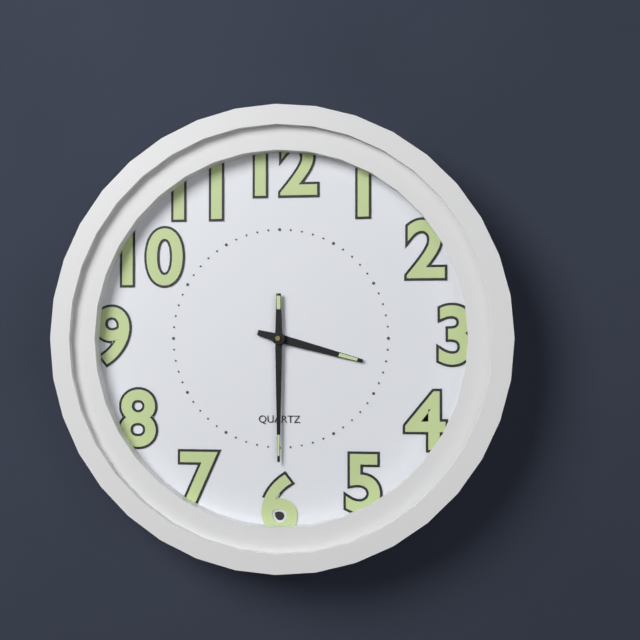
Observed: 3:30
